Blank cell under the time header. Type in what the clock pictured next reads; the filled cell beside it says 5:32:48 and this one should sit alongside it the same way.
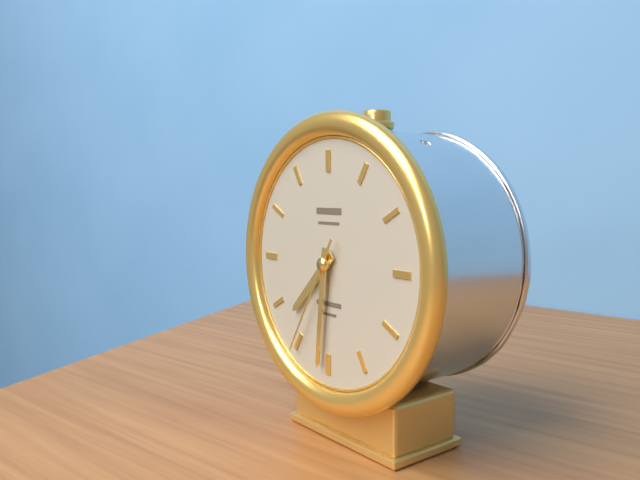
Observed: 7:31:35
